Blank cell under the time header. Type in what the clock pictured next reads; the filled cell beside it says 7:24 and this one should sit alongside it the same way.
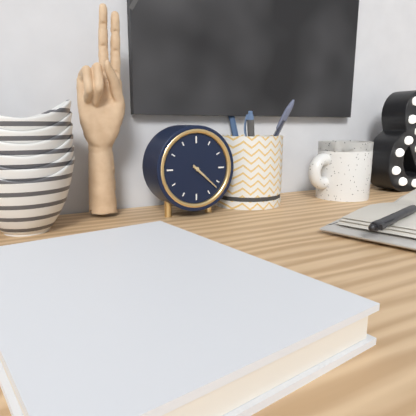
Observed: 4:22
